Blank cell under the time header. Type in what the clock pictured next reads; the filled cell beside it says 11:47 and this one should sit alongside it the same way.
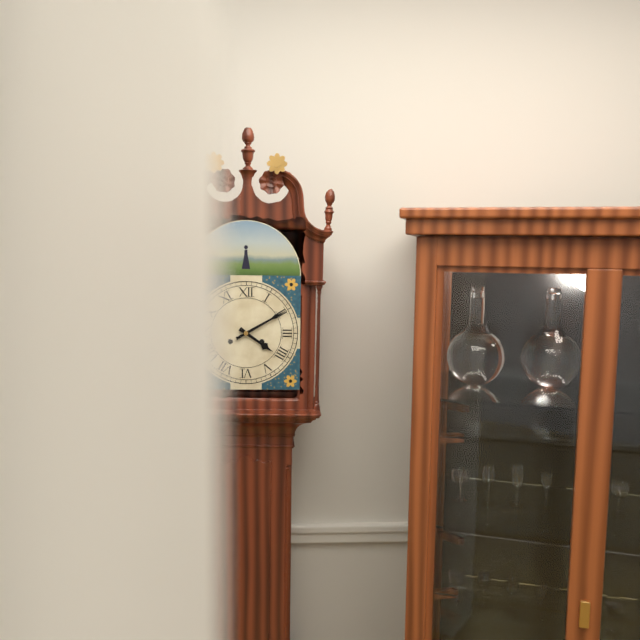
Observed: 4:10
